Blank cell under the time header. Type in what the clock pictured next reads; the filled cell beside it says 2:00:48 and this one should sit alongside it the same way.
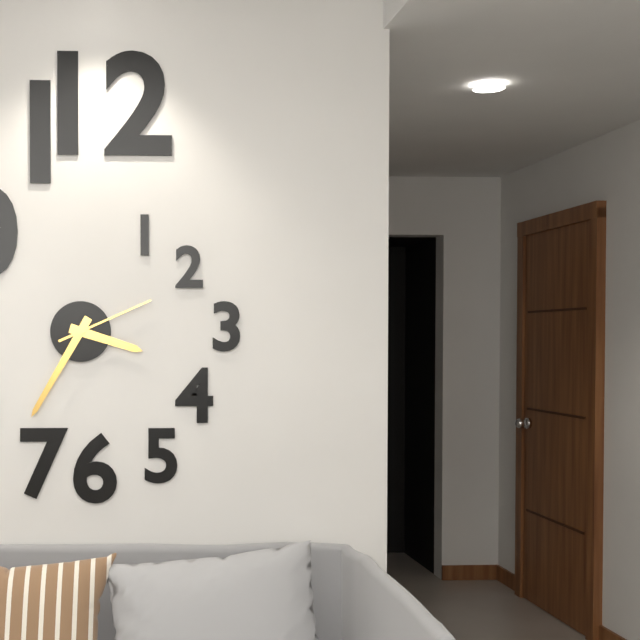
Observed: 3:35:11
